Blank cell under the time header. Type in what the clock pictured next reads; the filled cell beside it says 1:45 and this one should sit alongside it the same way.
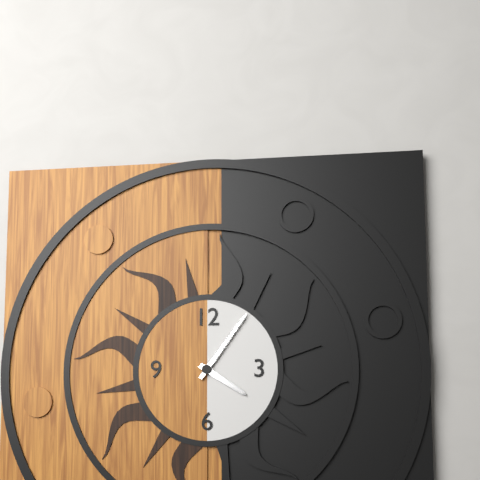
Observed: 4:06
